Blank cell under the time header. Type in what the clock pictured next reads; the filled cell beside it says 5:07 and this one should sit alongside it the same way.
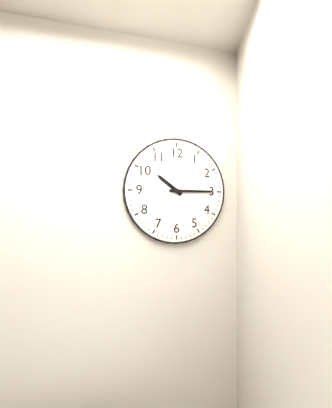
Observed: 10:15
